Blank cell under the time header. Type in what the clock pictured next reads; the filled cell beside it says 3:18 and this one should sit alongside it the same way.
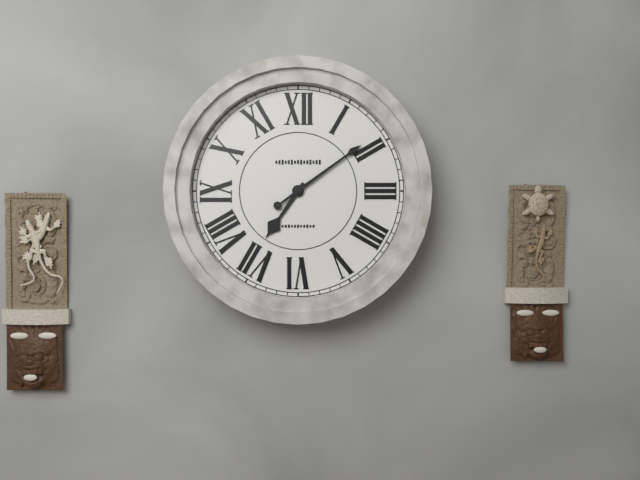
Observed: 7:09
